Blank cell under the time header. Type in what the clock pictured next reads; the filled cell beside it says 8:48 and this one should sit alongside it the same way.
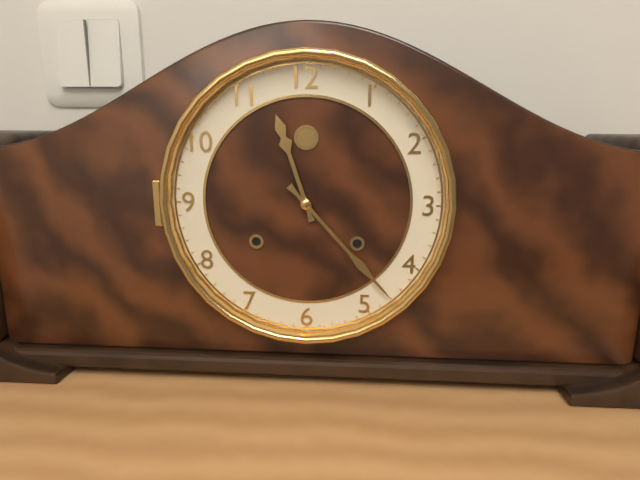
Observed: 11:23
